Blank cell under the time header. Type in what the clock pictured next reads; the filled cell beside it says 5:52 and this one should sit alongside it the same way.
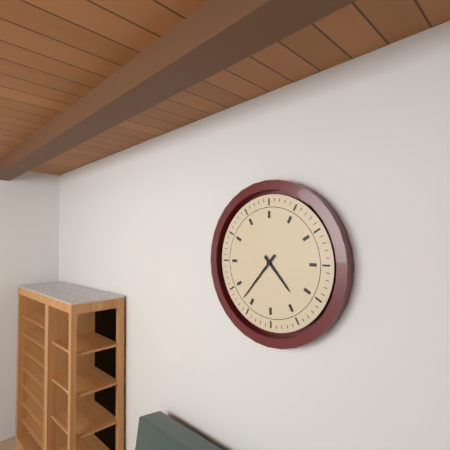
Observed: 4:37
